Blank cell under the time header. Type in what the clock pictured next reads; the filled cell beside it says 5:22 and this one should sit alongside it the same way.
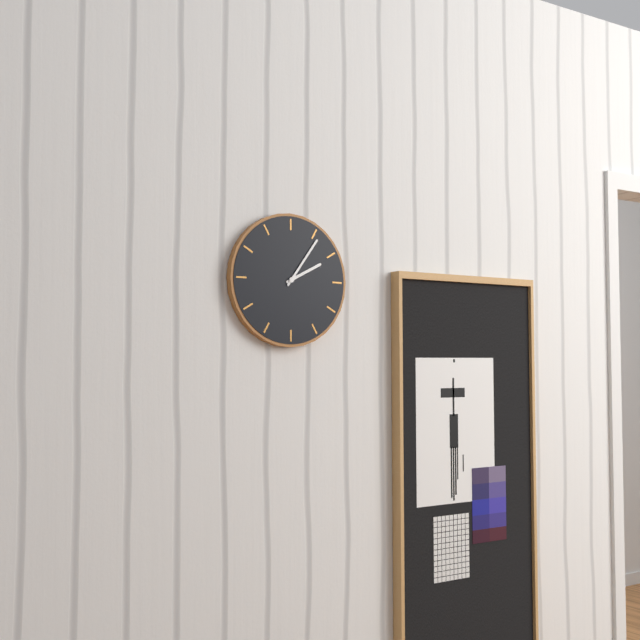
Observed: 2:06
